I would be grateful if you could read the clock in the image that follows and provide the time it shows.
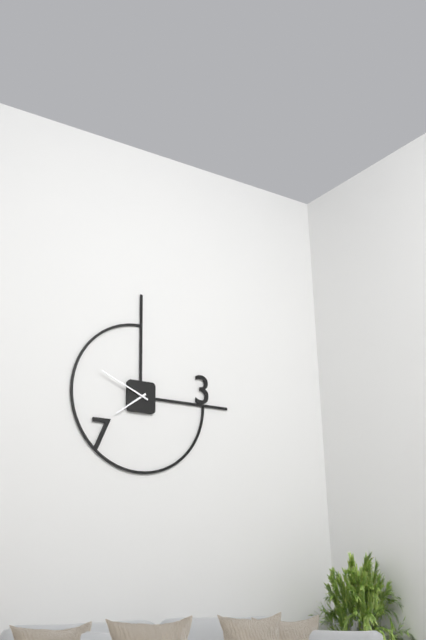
7:49
